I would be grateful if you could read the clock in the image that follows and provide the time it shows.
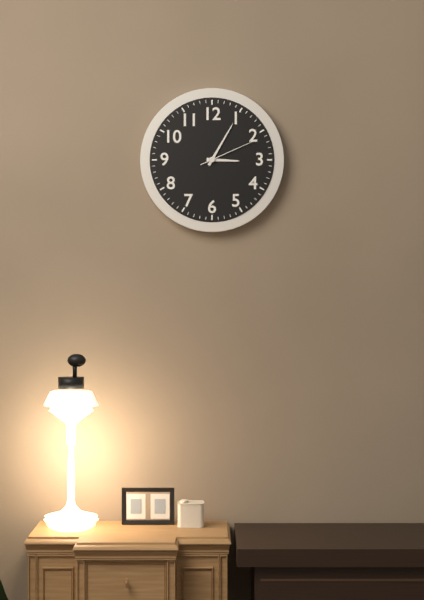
3:05:11
